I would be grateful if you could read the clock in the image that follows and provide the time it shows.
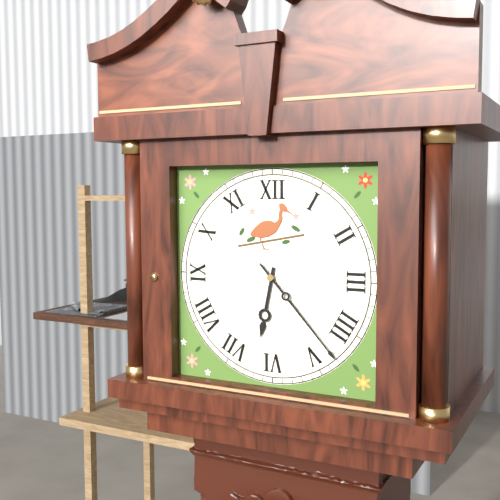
6:23
